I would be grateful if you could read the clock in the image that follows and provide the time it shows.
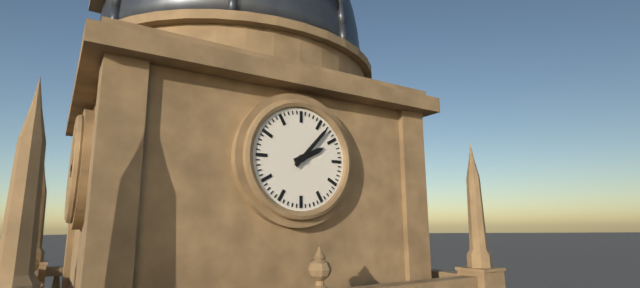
2:07
